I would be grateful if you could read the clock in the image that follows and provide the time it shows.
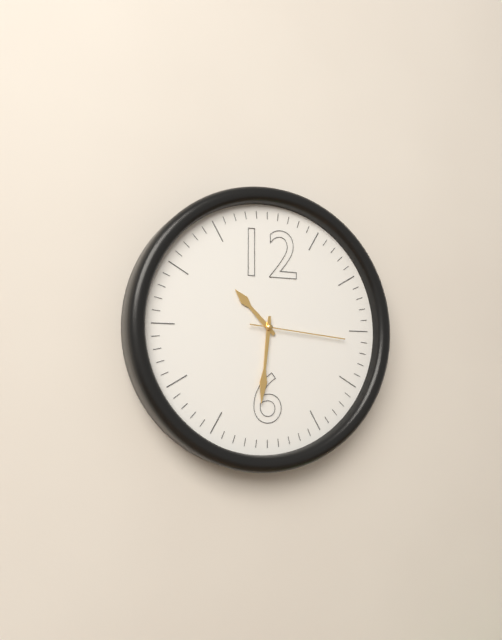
10:31:16
